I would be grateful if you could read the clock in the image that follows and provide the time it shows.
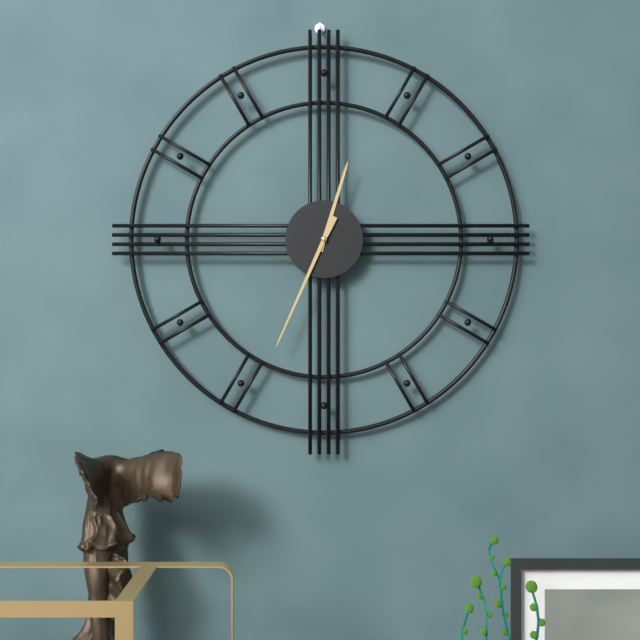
12:34
